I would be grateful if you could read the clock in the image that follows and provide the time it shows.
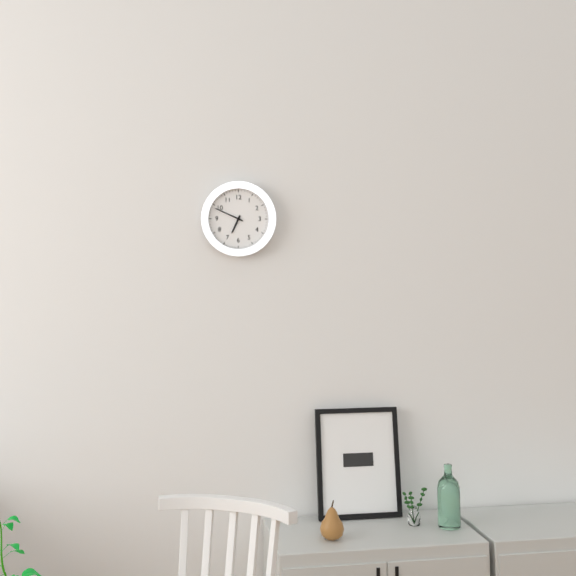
6:49
